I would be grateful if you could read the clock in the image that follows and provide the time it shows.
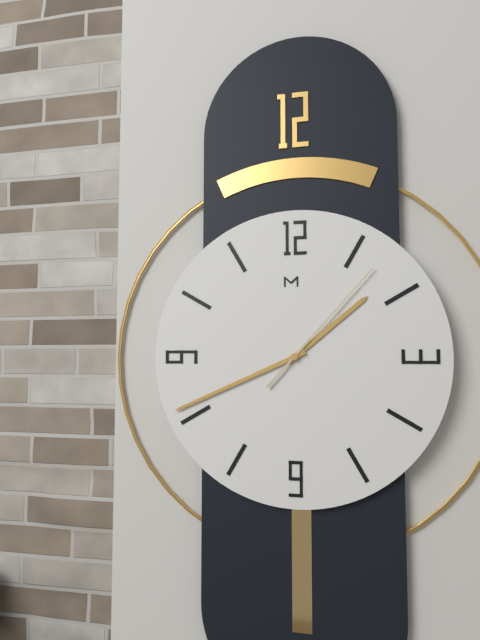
1:41:07
